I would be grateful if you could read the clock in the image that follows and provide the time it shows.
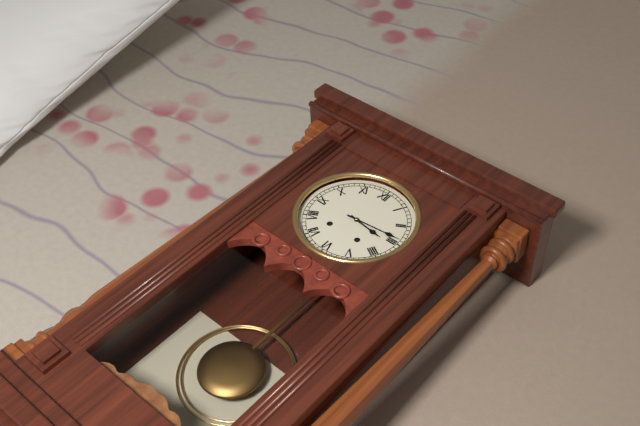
3:14
